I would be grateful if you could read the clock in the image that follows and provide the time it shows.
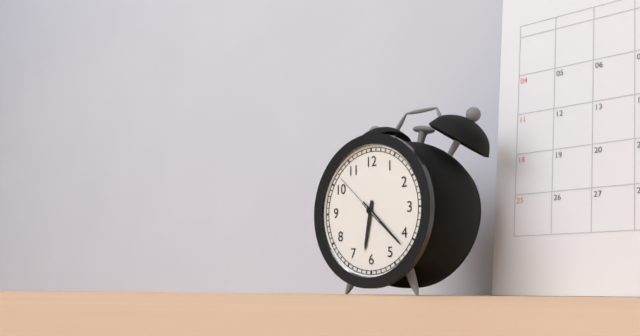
6:22:52
